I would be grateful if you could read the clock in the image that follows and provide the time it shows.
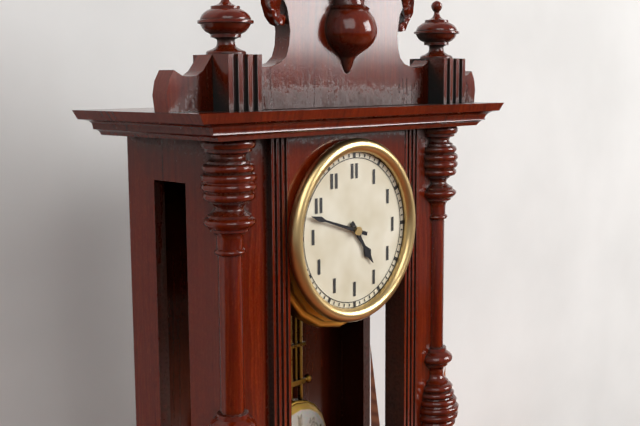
4:48
